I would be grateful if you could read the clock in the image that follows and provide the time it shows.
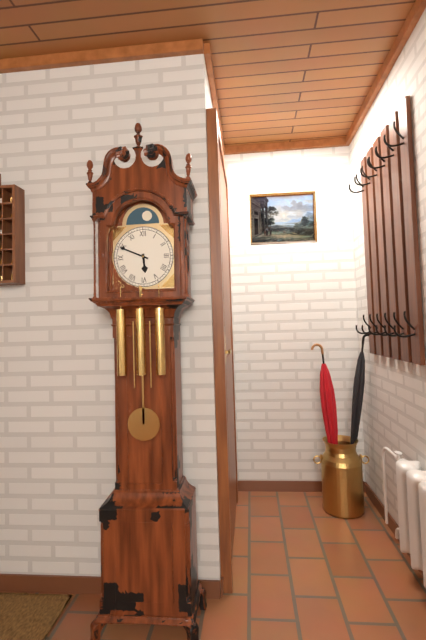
5:49
